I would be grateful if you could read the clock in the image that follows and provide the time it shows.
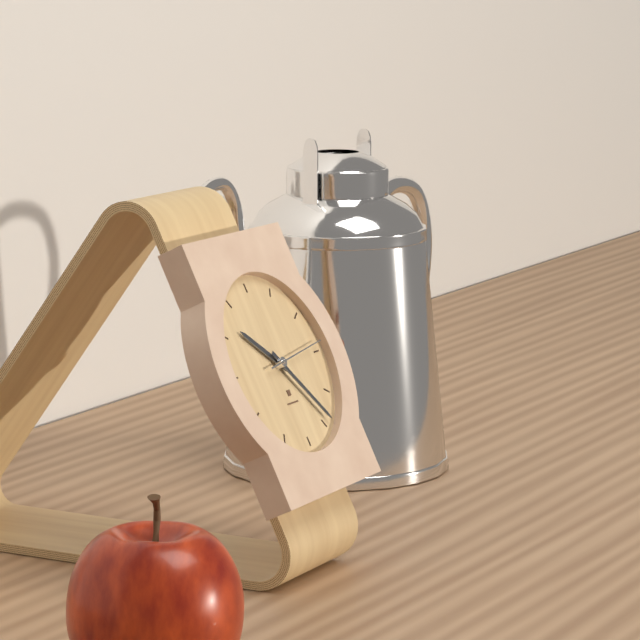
10:24:14
